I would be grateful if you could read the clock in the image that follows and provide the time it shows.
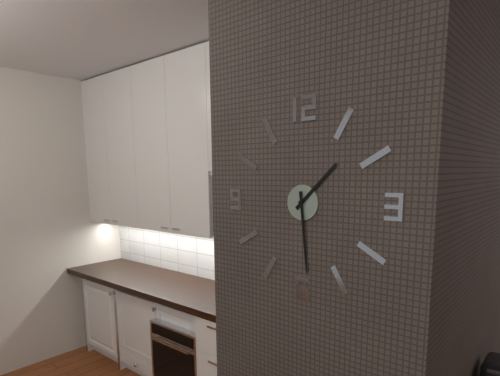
1:29
